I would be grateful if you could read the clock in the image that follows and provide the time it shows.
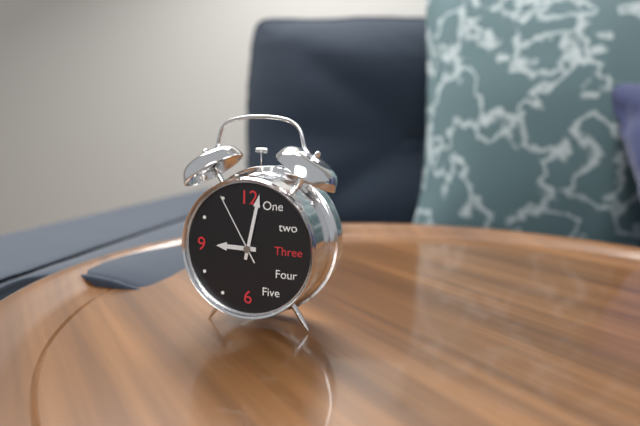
9:02:55
